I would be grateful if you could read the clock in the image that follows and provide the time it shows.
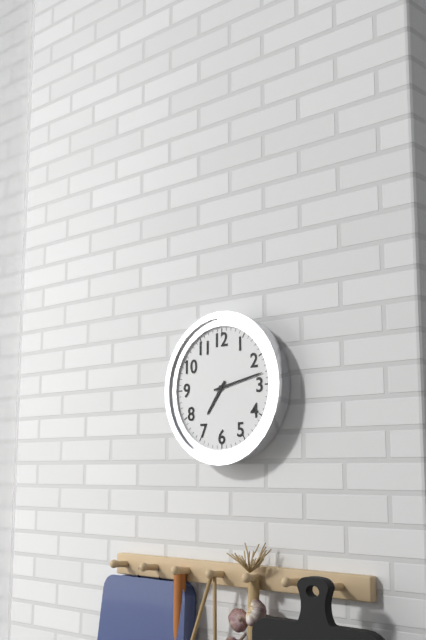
7:13
